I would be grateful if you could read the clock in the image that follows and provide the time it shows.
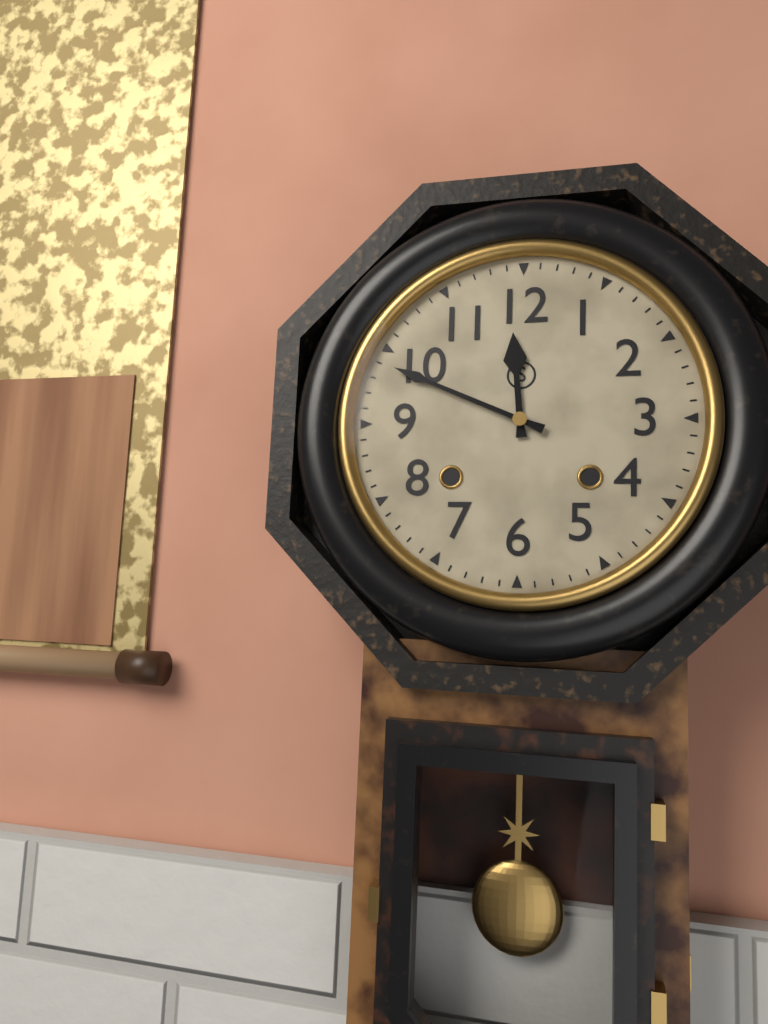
11:49
